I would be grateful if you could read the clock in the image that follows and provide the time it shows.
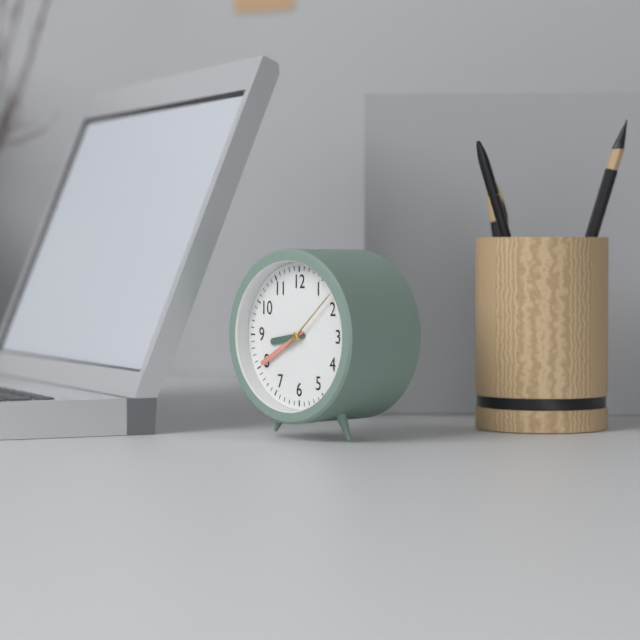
8:40:08
